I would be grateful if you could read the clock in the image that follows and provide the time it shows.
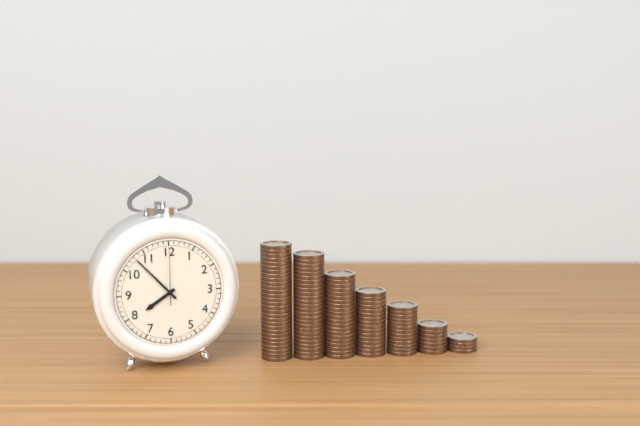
7:53:00
